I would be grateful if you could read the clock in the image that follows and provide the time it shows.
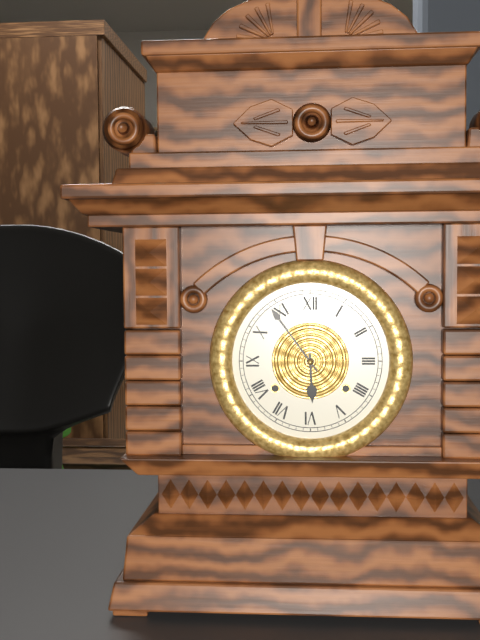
5:54
